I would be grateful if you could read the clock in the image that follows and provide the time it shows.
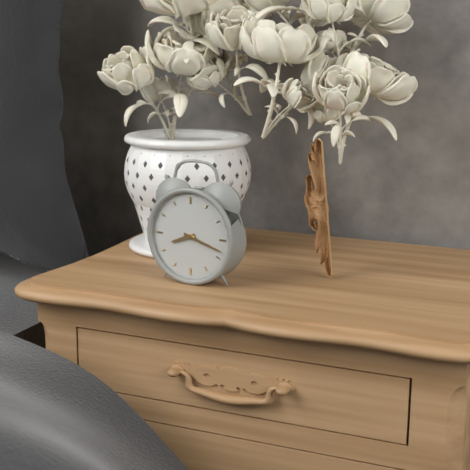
8:18
